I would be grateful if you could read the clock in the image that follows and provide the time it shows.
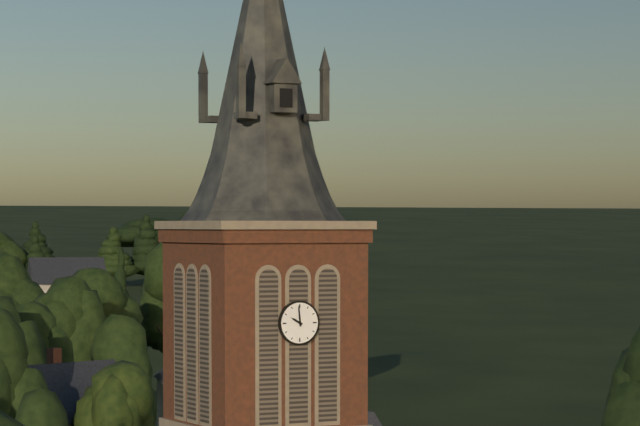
9:59
